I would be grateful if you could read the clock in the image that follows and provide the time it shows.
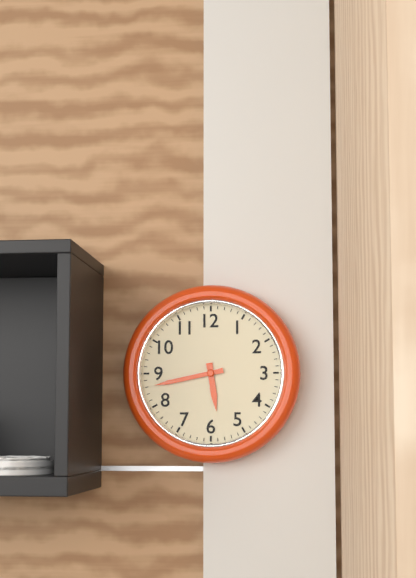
5:43
